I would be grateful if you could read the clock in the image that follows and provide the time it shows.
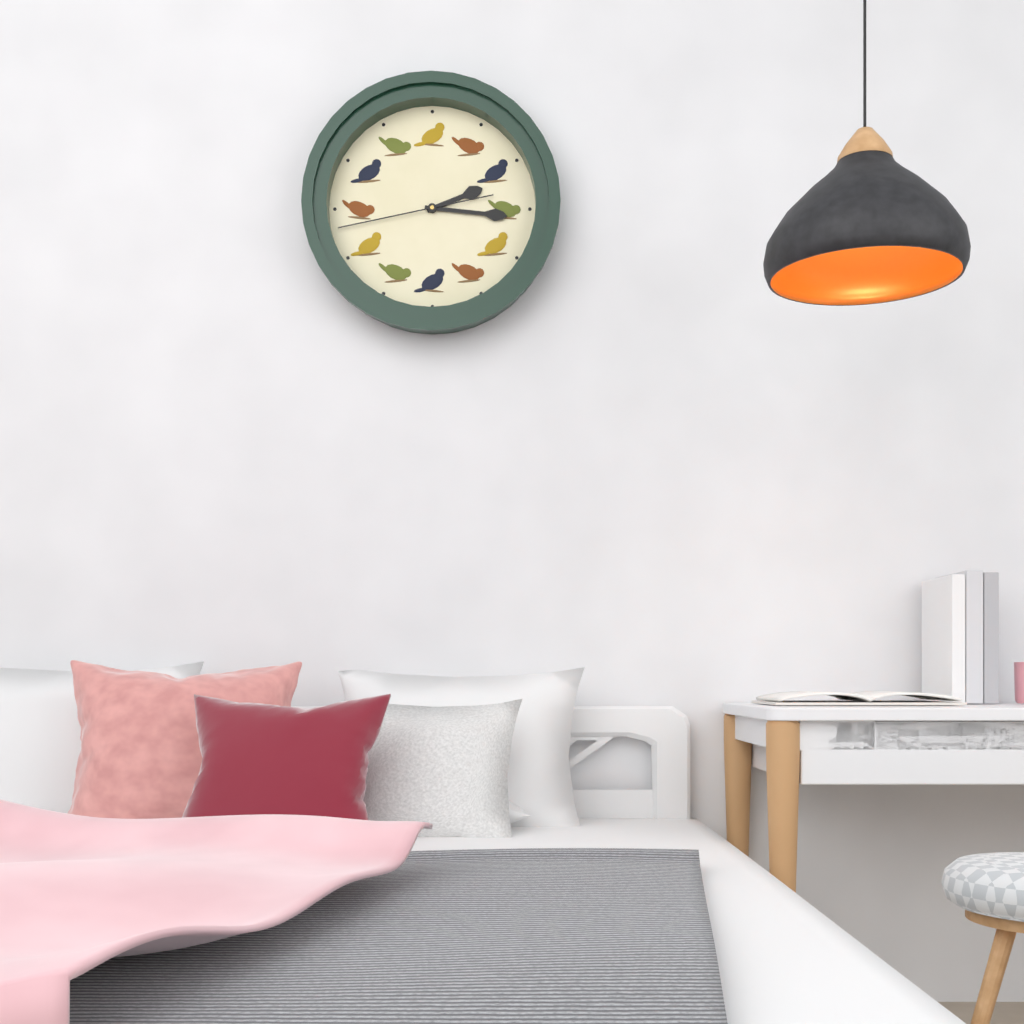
2:16:43
